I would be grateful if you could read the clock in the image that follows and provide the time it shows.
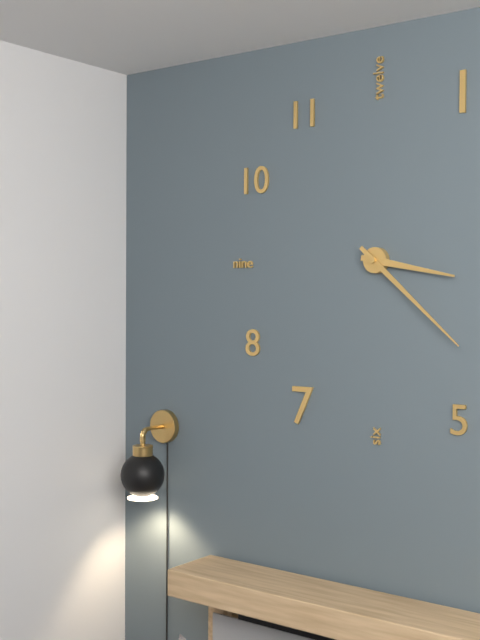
3:22
